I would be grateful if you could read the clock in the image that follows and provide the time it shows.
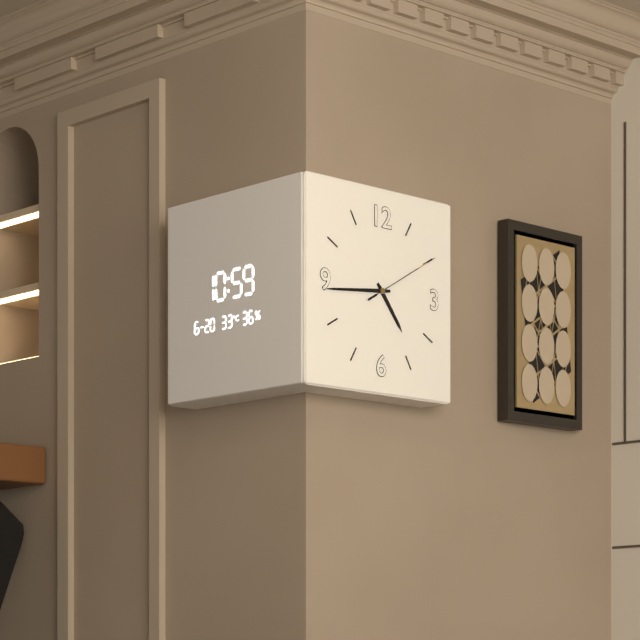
4:44:10
